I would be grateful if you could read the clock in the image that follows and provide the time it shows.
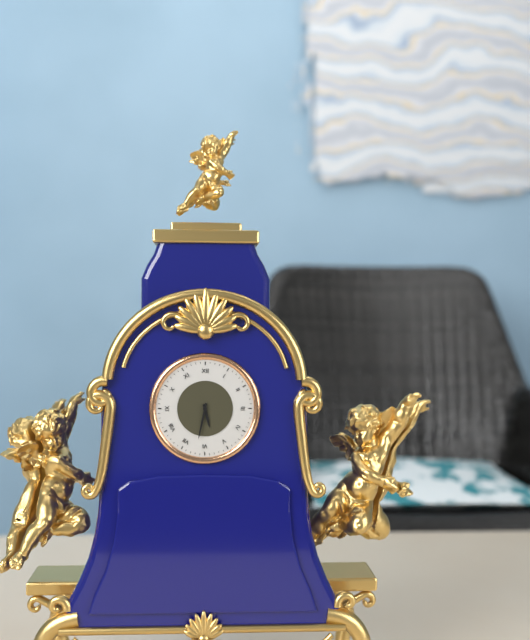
5:32
